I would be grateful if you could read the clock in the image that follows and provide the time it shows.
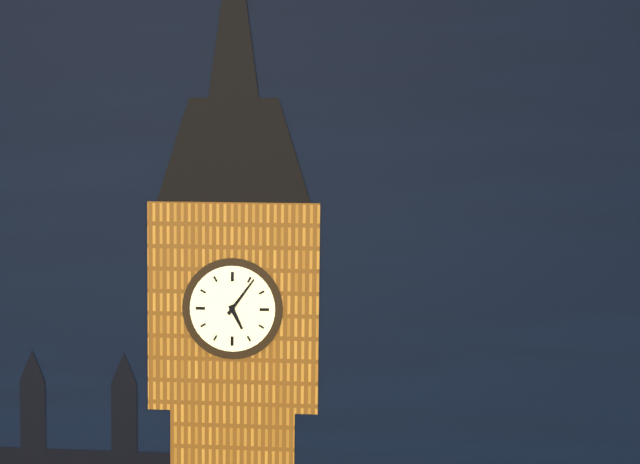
5:06
